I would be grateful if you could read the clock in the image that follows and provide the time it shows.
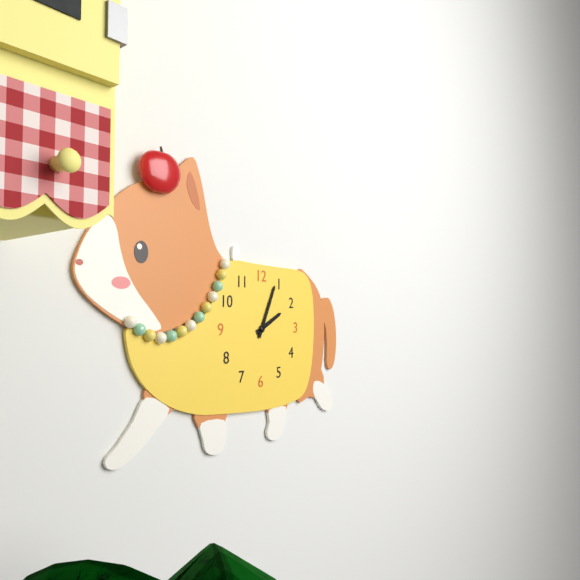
2:04
